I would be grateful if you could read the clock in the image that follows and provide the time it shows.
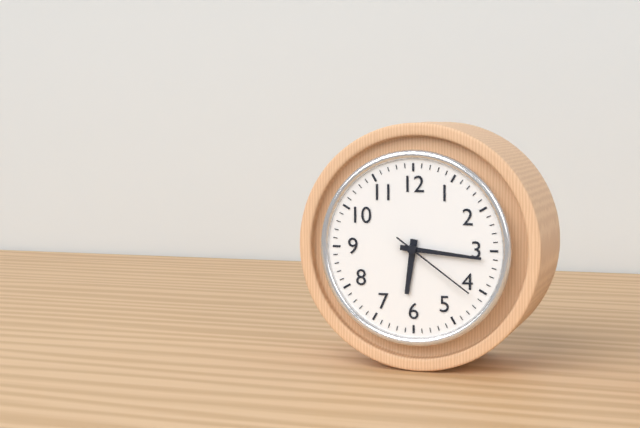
6:16:21
